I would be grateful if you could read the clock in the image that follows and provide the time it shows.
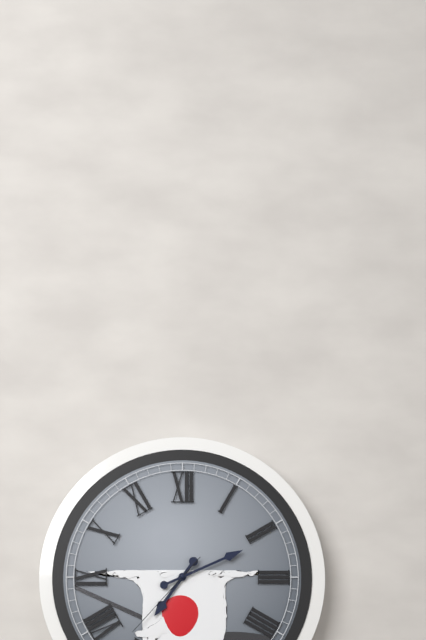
7:11:37
